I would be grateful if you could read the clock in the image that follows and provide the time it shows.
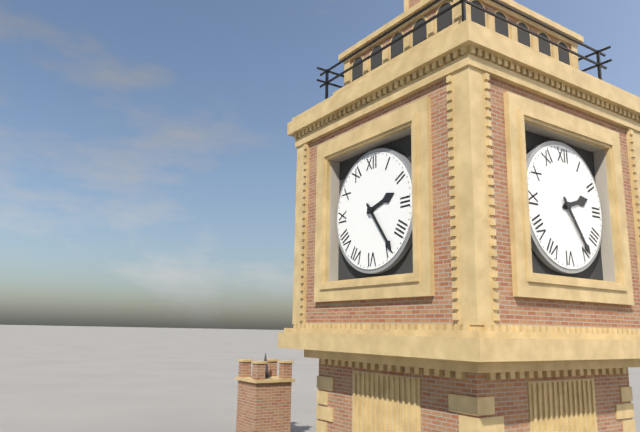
2:24
